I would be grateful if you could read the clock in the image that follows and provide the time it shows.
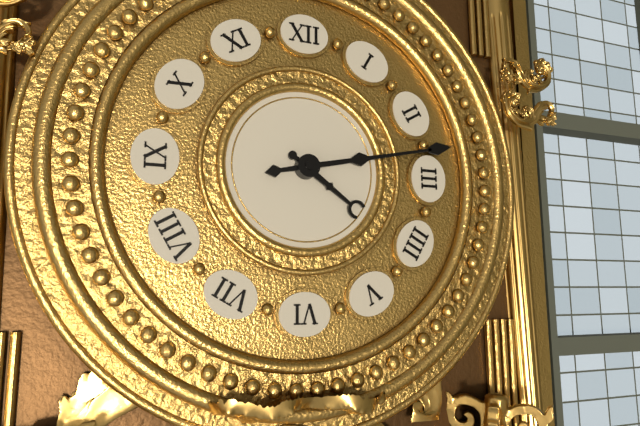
4:13
